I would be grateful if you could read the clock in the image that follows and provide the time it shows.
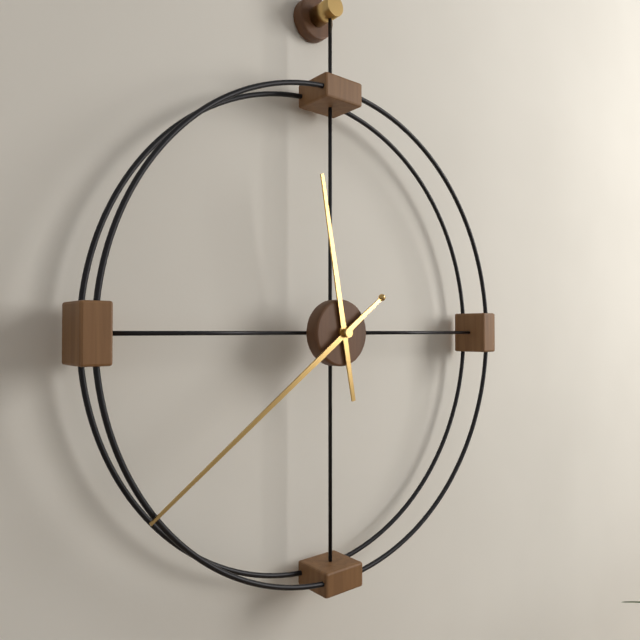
11:39
